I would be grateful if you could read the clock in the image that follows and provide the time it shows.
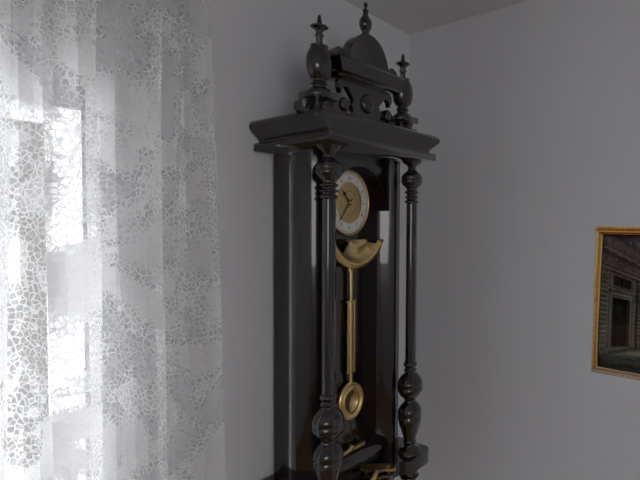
10:37
